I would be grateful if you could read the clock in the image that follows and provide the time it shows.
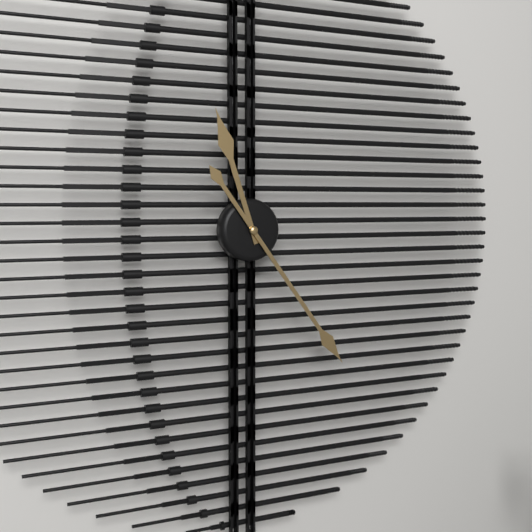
11:24
